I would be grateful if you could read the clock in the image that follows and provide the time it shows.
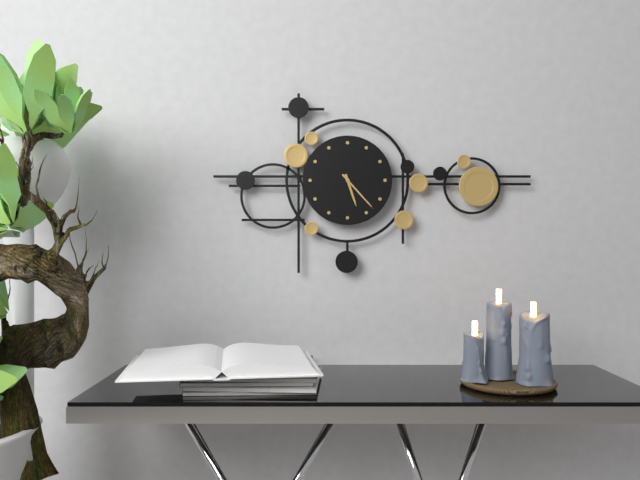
5:23
